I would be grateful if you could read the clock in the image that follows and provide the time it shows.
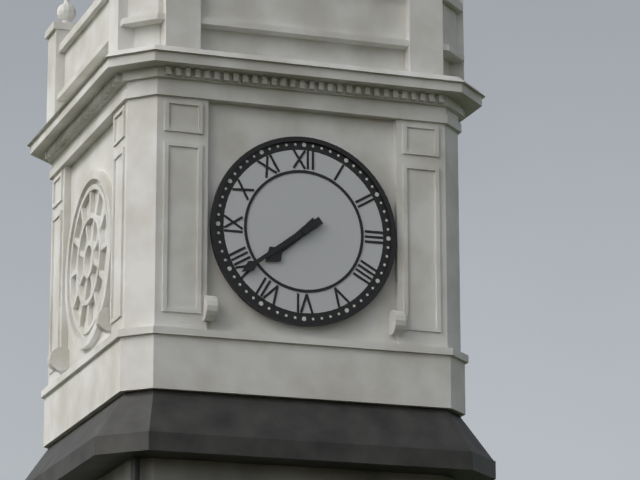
7:39
